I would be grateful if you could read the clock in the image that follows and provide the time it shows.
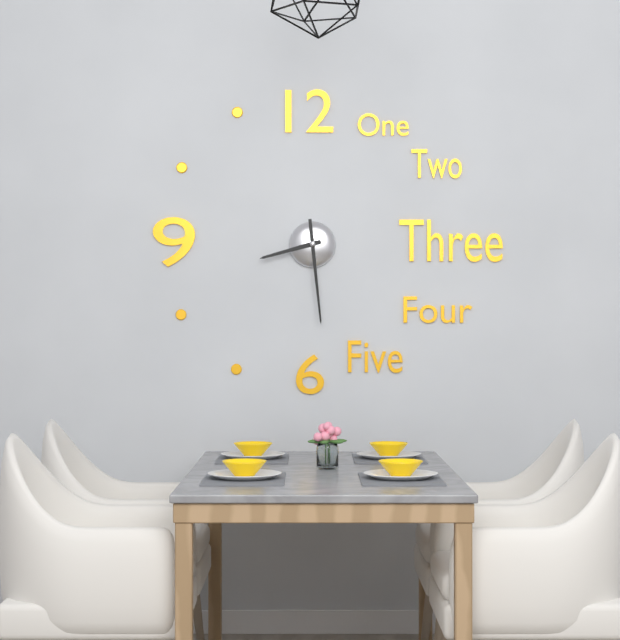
8:29
